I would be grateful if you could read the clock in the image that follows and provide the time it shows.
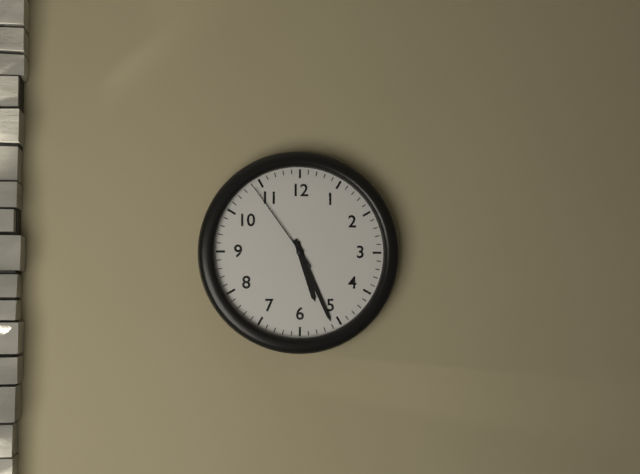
5:26:54
